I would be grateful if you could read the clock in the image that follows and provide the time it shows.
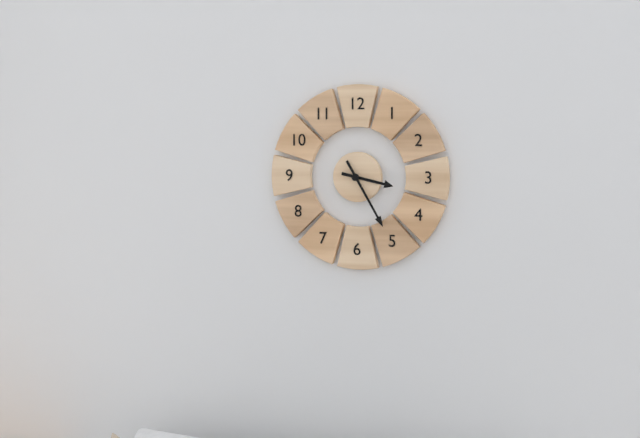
3:25
